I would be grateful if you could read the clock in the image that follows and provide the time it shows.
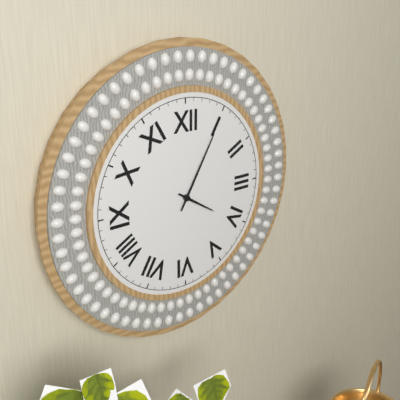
4:05
